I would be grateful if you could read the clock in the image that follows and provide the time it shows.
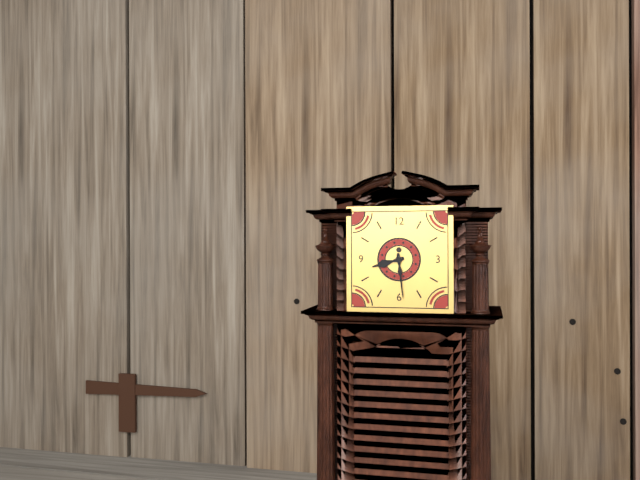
8:29
